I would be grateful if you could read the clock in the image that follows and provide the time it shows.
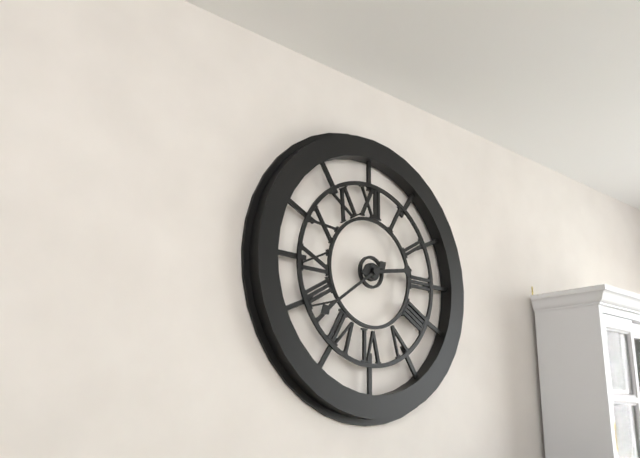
2:39
